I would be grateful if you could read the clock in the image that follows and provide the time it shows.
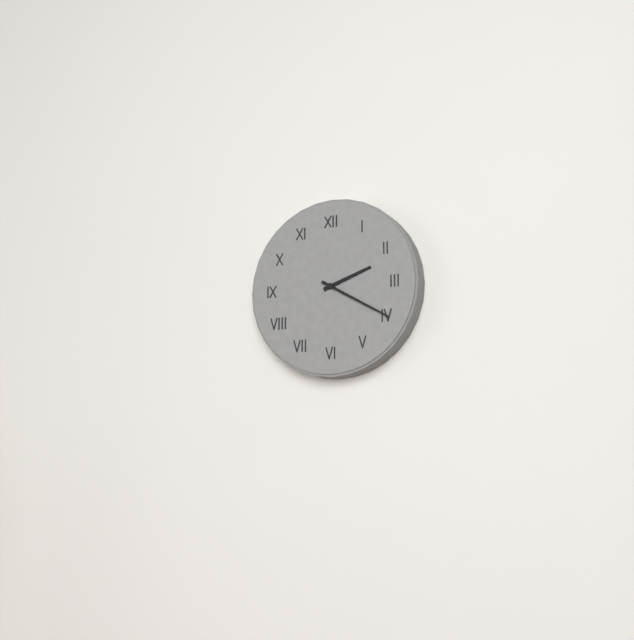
2:20
